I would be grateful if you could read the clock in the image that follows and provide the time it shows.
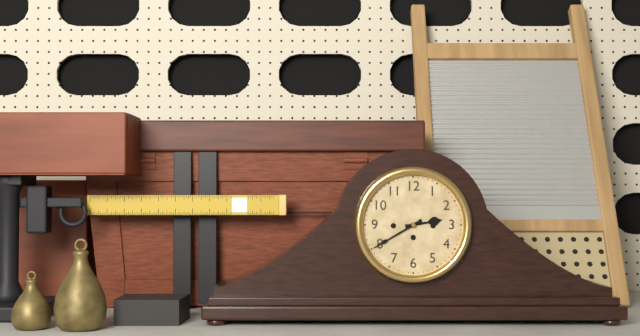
2:40
